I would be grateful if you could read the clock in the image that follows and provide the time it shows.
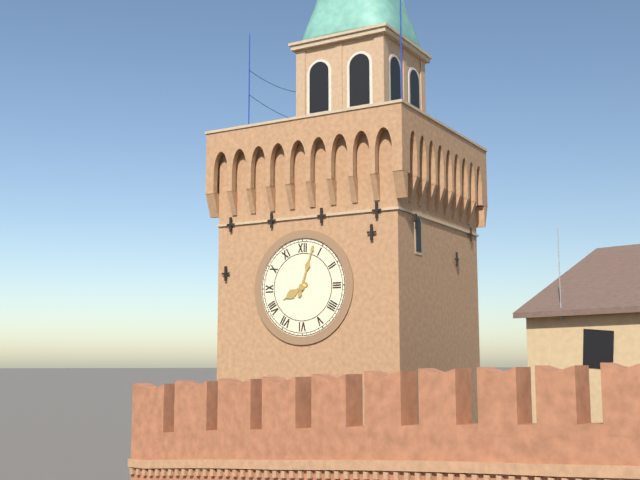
8:03
